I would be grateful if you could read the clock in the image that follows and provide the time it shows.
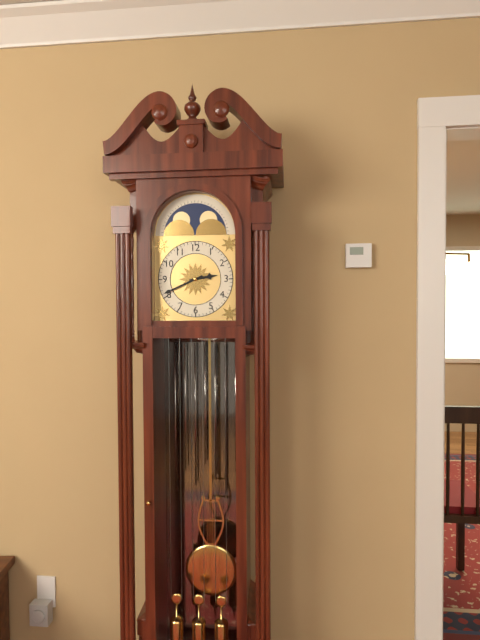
2:41
